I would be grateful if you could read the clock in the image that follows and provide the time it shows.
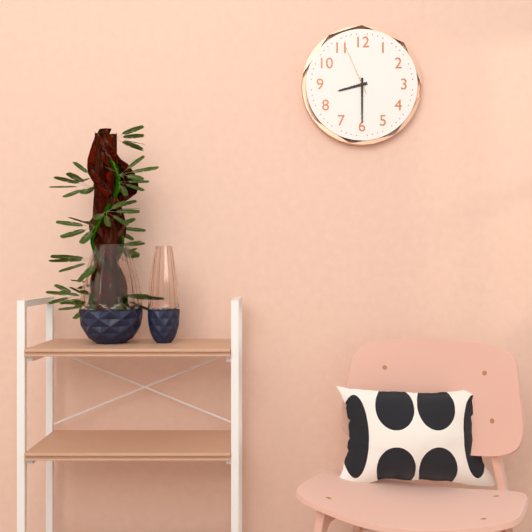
8:30:56
